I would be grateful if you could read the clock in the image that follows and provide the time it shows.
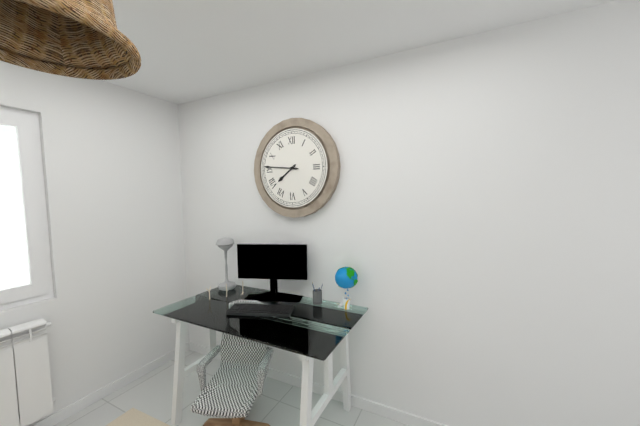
7:46
